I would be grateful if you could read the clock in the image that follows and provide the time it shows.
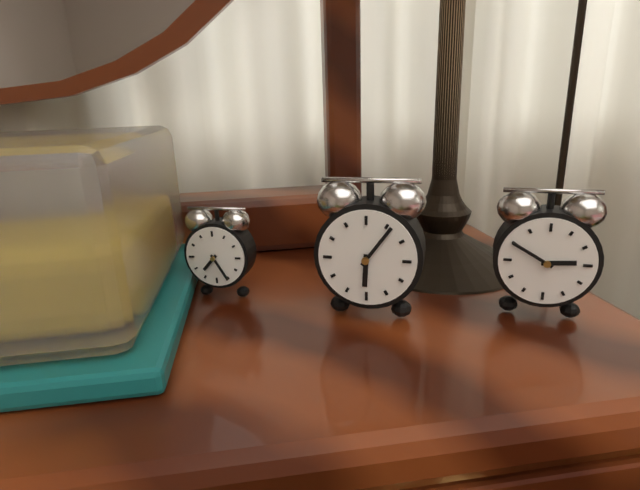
6:06
